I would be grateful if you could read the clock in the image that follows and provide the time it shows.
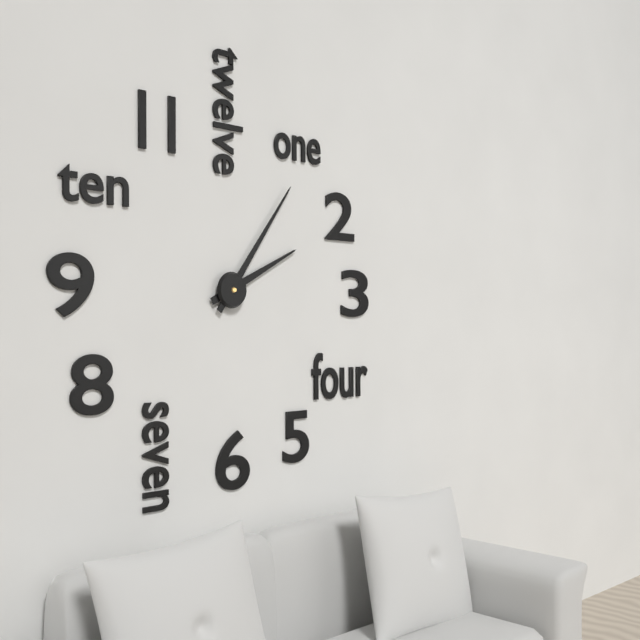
2:06
